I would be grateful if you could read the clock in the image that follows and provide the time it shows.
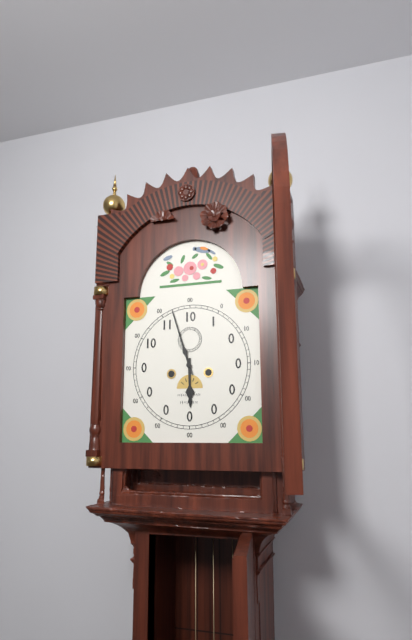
5:57
